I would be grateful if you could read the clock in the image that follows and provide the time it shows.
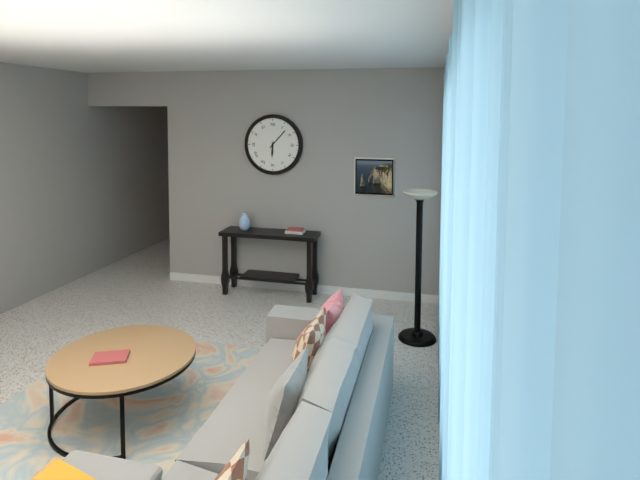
6:07
